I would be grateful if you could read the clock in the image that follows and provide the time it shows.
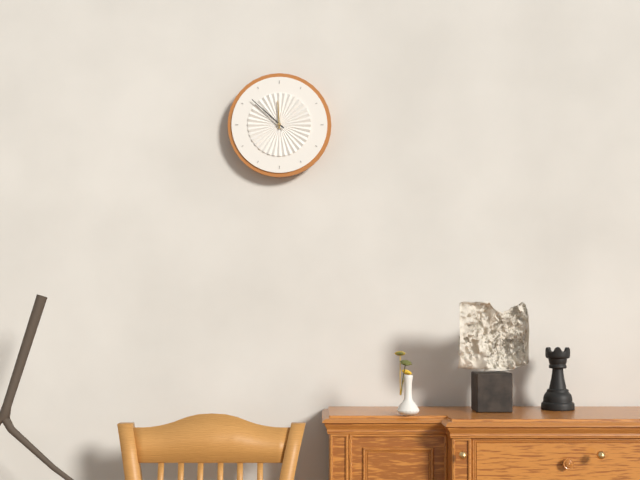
11:52
